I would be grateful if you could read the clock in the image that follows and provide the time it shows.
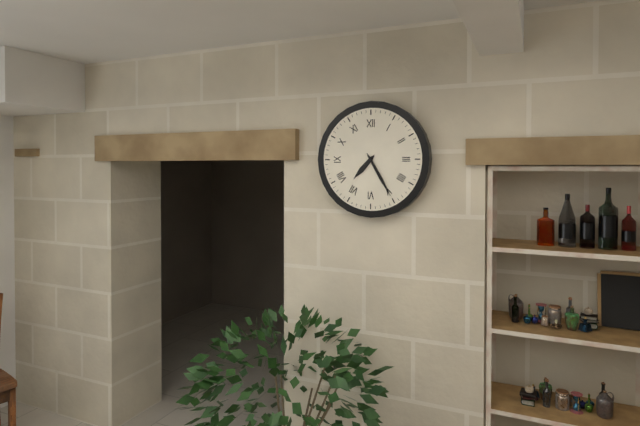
7:25
